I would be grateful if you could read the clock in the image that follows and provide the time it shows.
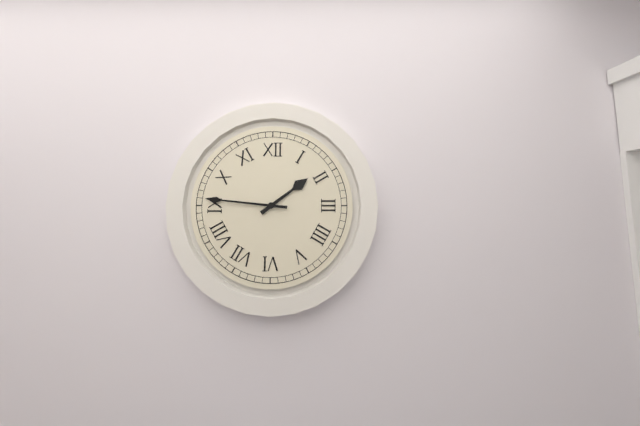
1:46
